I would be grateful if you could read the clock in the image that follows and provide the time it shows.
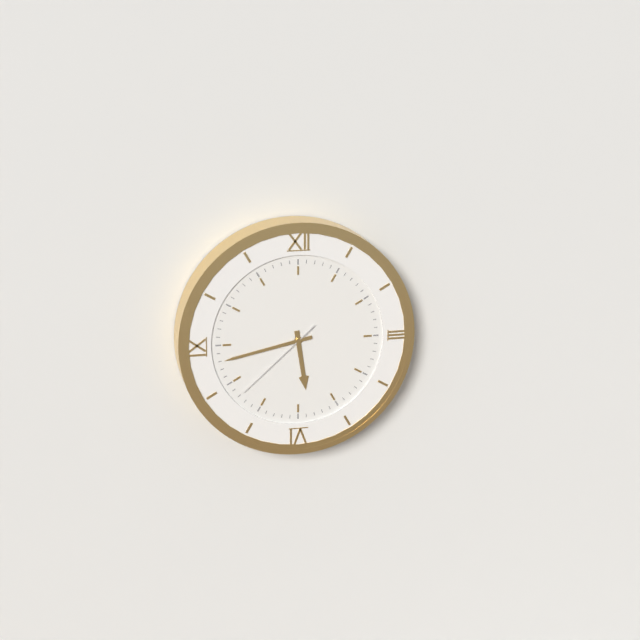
5:43:38
